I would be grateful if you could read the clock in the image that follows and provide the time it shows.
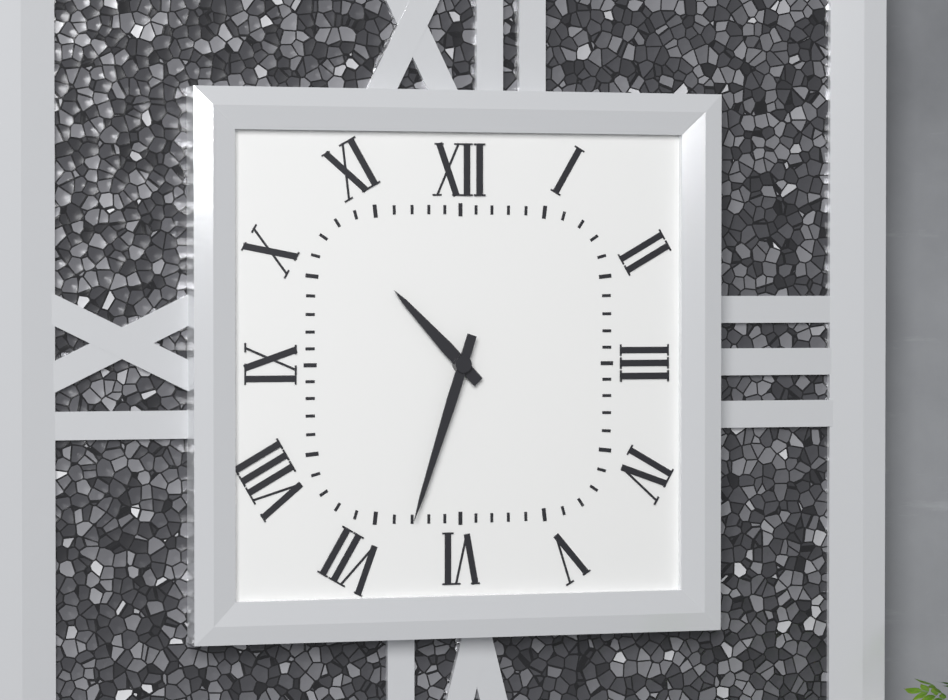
10:33
